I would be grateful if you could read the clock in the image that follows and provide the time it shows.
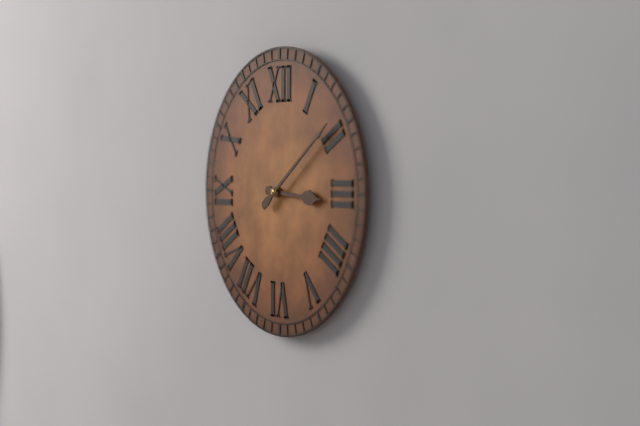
3:09
